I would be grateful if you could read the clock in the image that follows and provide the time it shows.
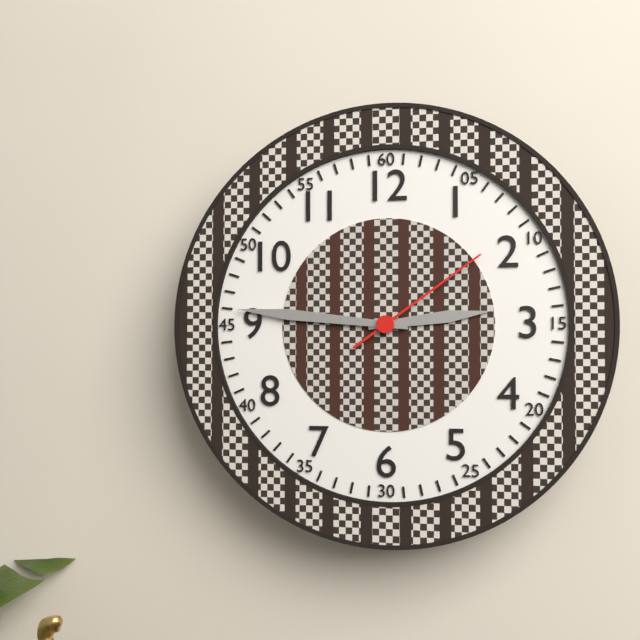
2:46:09
